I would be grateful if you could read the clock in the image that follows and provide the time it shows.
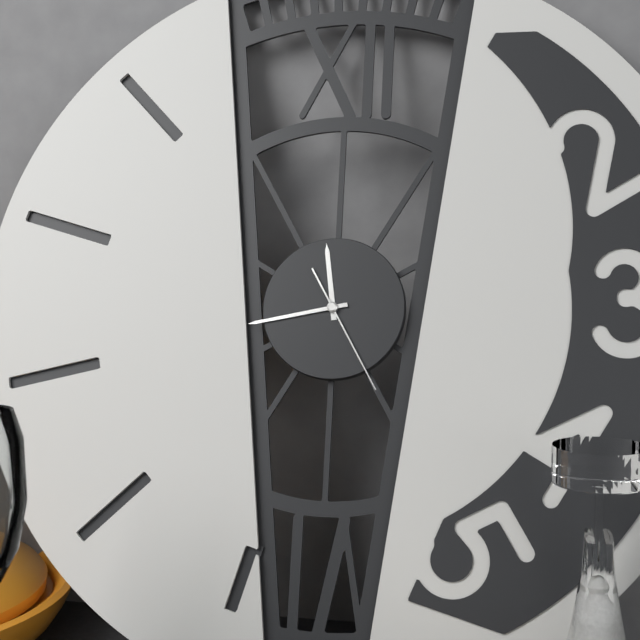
11:43:25
